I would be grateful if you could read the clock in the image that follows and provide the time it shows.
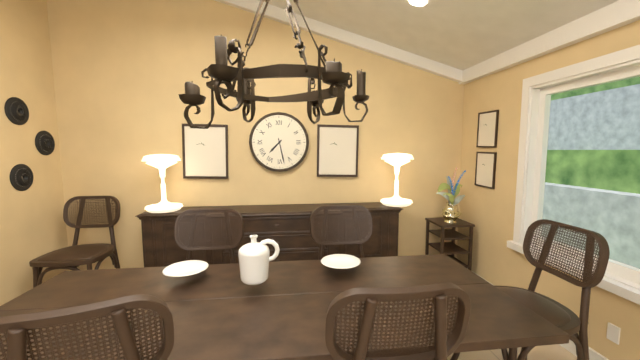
7:28
